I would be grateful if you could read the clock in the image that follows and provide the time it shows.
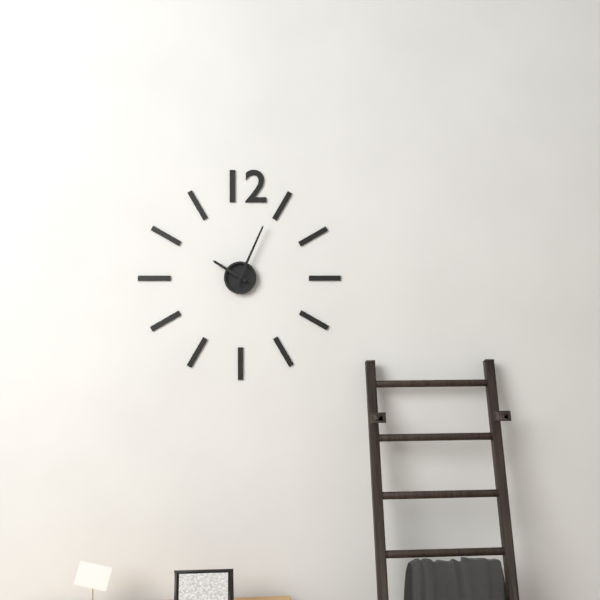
10:04
